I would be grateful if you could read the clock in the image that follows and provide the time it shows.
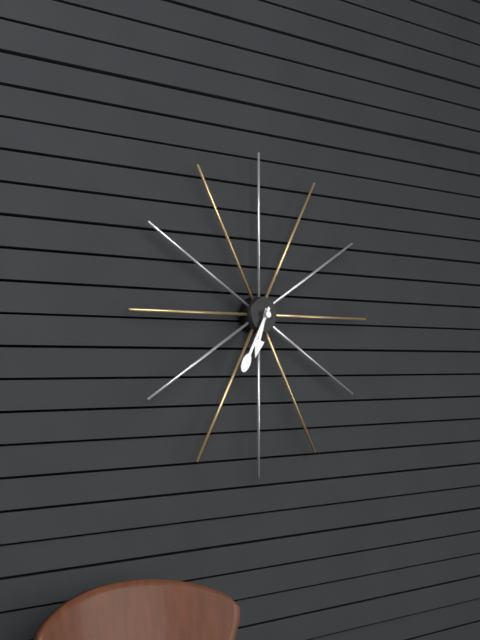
6:35
